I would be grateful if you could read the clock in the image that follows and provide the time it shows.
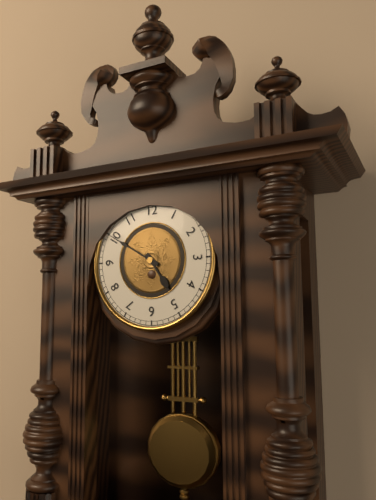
4:50
